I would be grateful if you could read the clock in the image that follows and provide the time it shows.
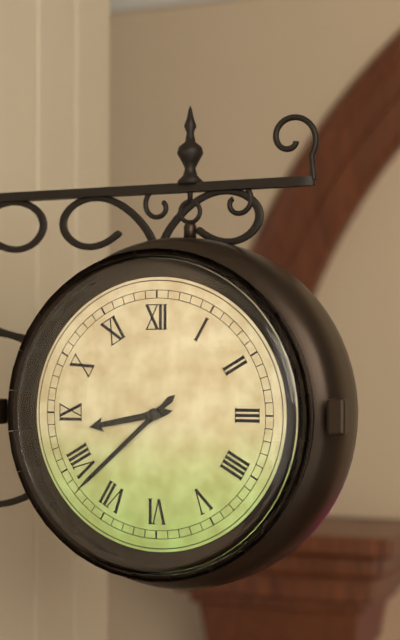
8:38
